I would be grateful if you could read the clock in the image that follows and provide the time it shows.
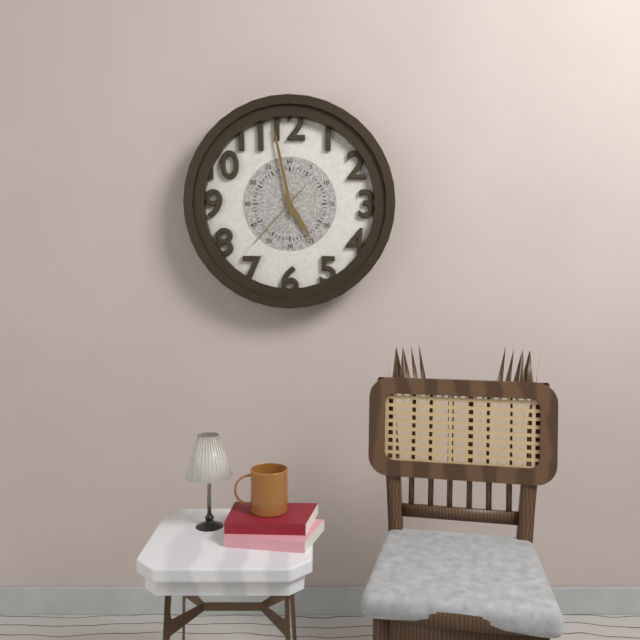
4:58:37
